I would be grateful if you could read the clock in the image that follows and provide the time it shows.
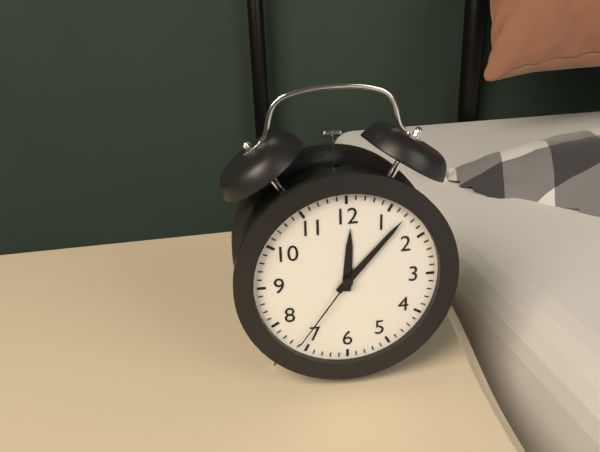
12:07:36
